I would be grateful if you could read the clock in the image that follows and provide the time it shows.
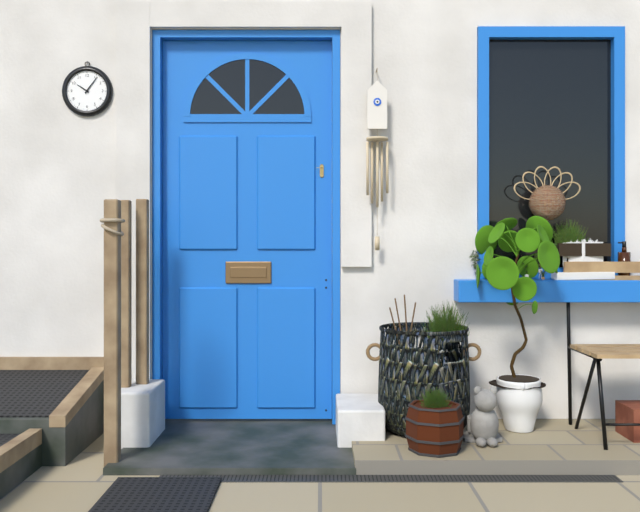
10:06
